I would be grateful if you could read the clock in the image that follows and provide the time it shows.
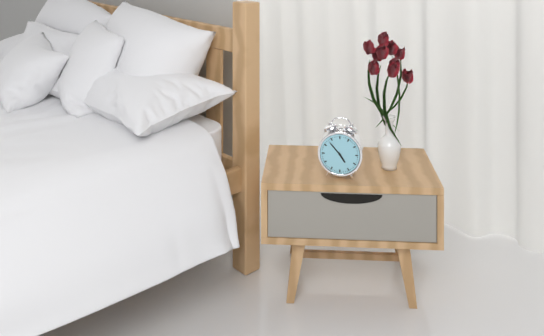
4:53
